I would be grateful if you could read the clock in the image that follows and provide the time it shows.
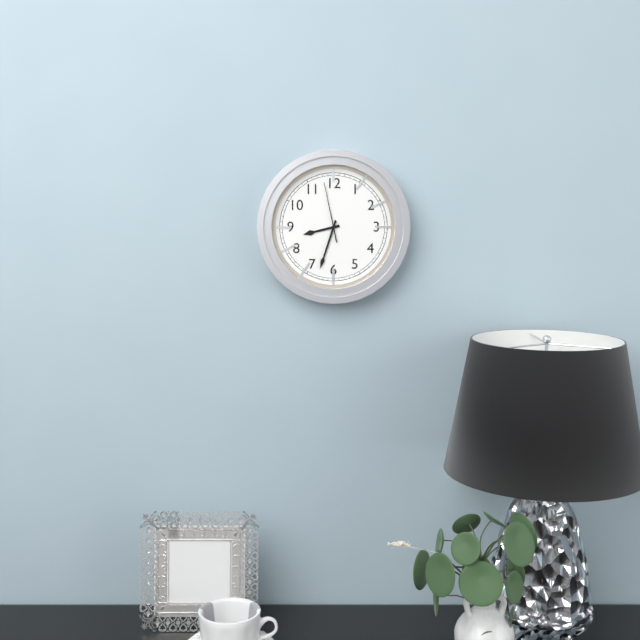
8:33:58
